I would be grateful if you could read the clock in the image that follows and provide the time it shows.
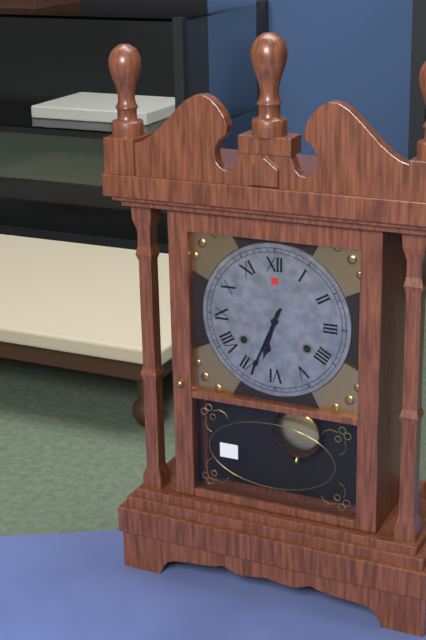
6:34
